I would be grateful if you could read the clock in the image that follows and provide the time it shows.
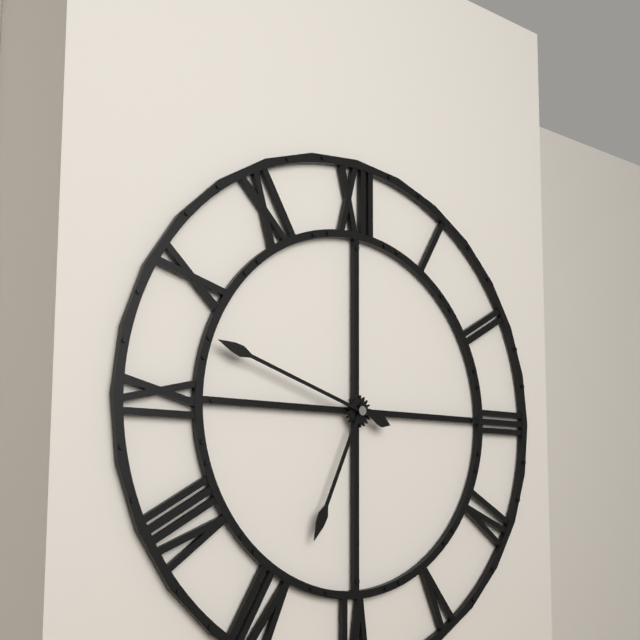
6:48
